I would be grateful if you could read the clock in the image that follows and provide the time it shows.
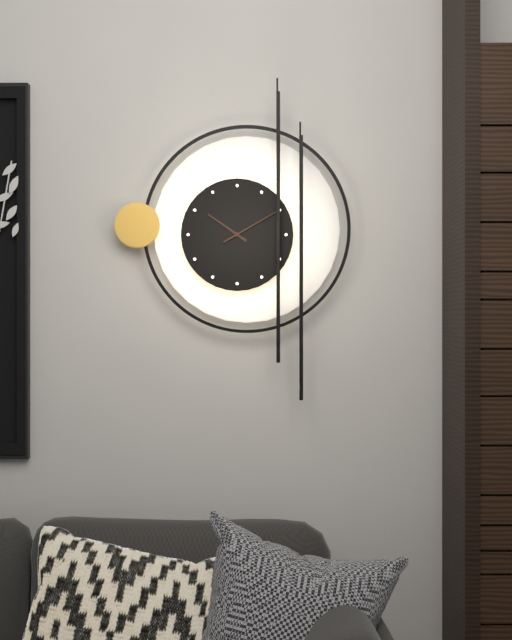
10:10
